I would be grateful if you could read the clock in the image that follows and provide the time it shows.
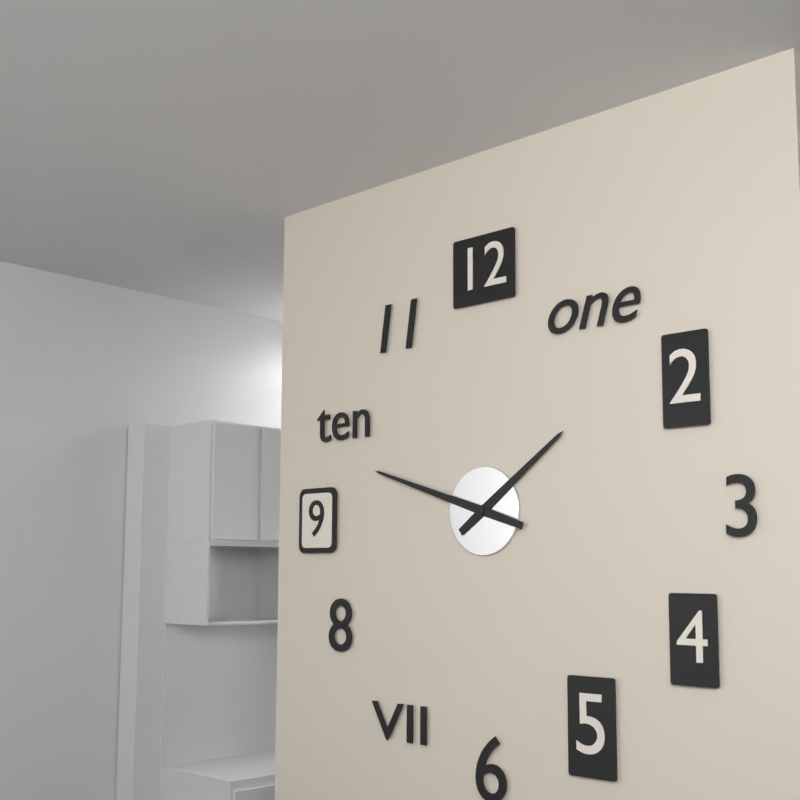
1:48
